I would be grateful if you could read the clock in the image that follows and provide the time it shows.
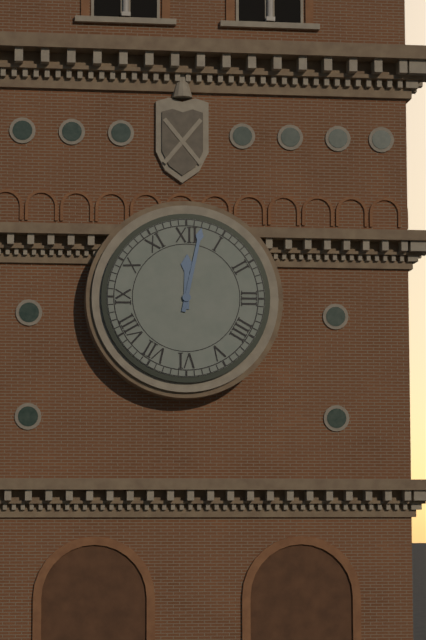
12:02
